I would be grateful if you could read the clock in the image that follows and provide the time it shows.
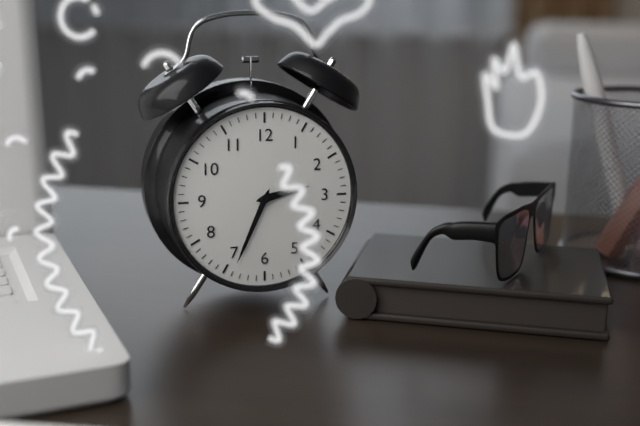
2:34
